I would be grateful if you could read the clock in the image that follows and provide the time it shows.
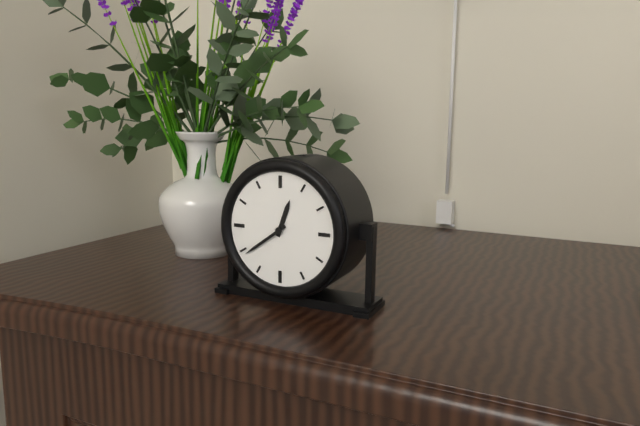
12:39
